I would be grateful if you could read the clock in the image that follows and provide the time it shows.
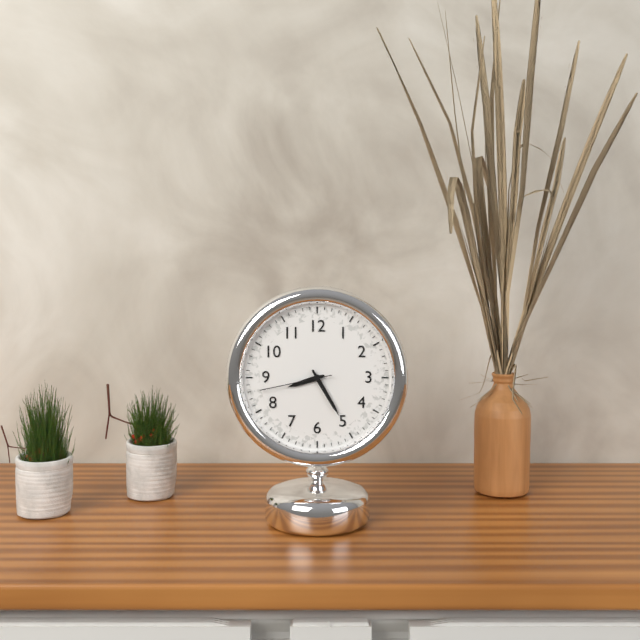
8:25:43
